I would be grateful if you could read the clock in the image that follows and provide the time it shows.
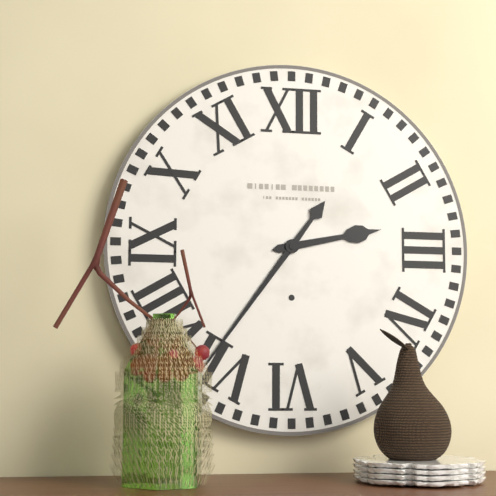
2:36
